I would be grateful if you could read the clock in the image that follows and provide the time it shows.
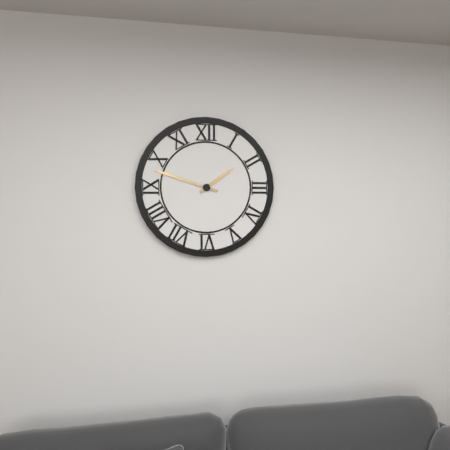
1:48
